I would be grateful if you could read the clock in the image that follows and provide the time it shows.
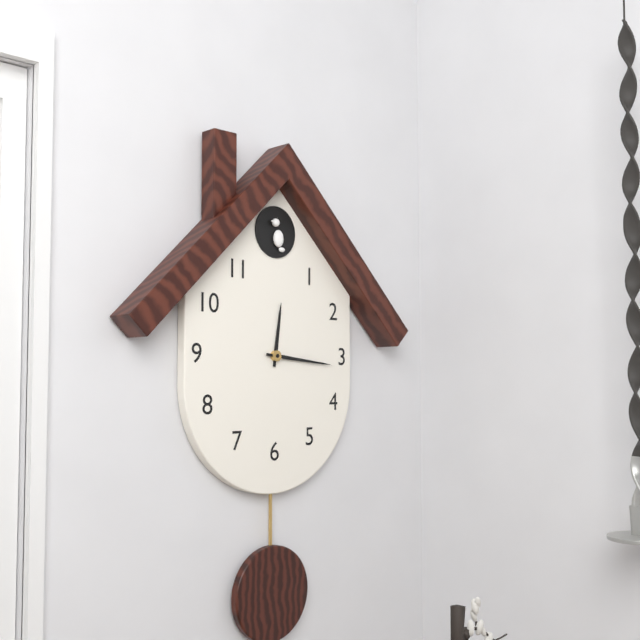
12:16
